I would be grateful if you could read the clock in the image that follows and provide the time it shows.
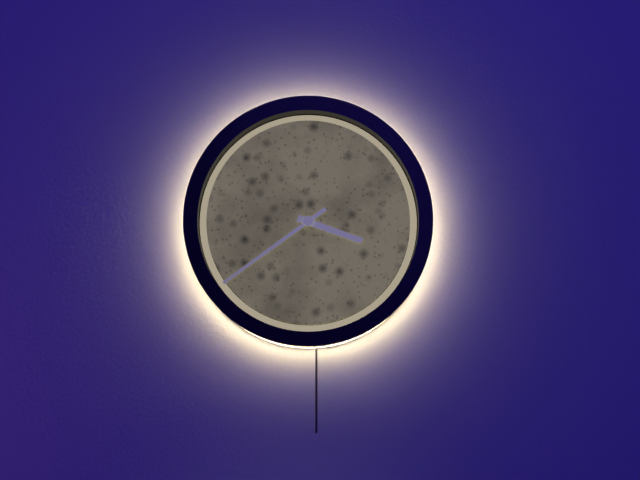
3:39
